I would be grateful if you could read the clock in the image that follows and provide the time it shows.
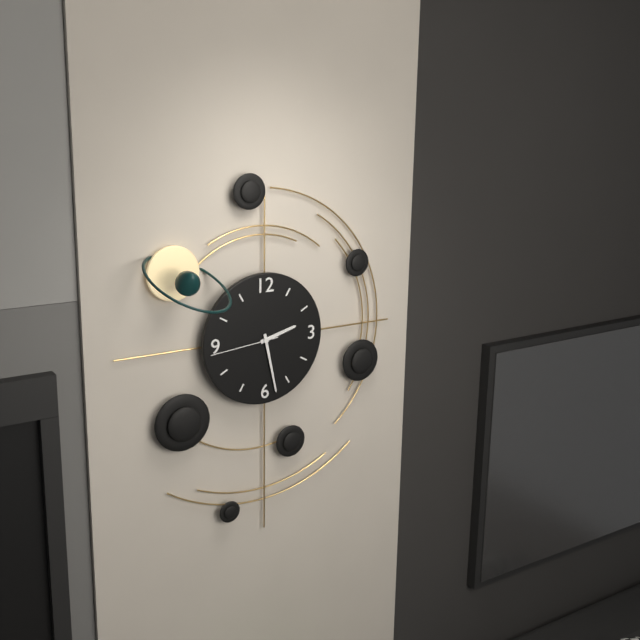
2:28:44
